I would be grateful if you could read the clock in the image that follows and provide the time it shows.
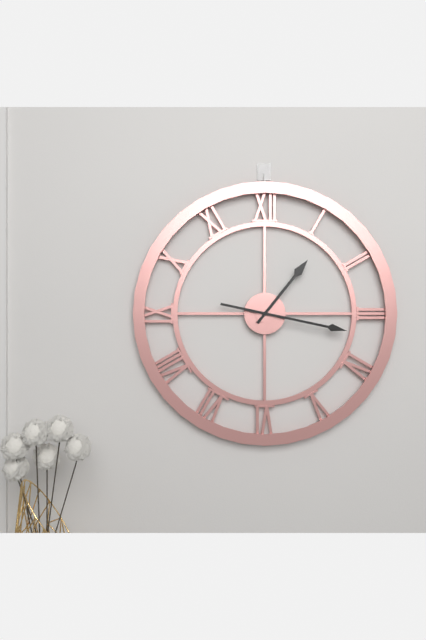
1:17
